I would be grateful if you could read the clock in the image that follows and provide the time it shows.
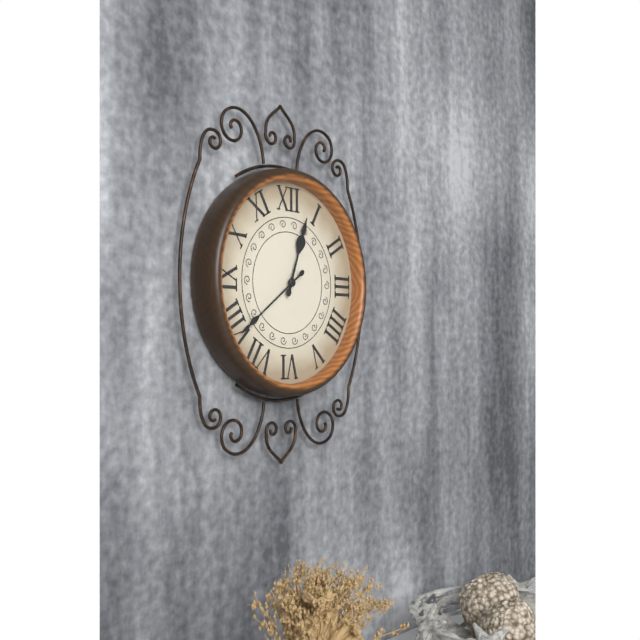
12:39
